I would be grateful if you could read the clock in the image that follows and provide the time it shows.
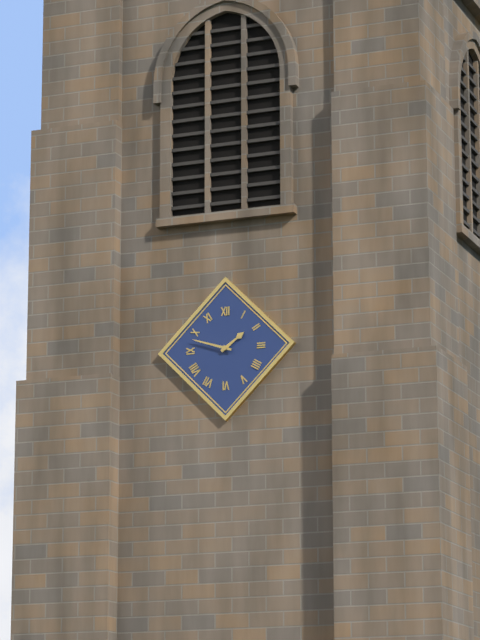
1:48
